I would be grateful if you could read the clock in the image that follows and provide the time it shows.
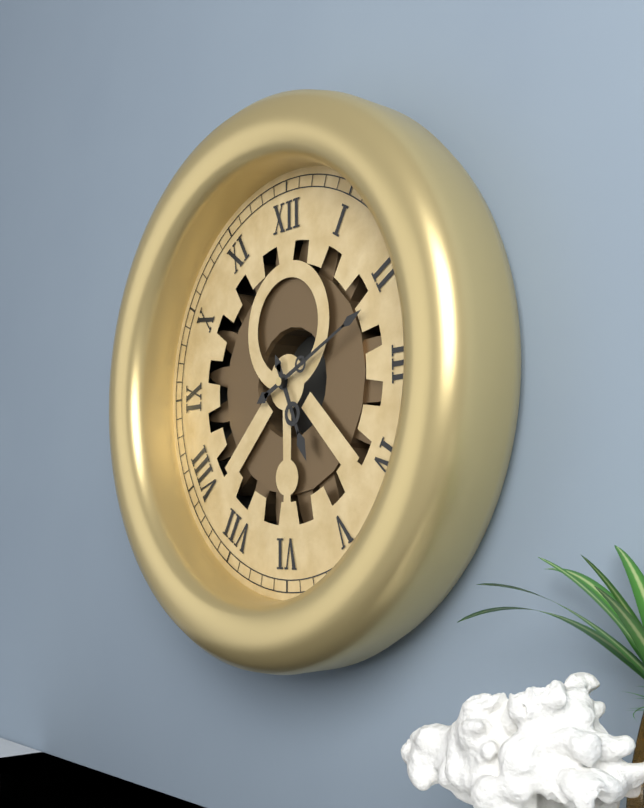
5:11
